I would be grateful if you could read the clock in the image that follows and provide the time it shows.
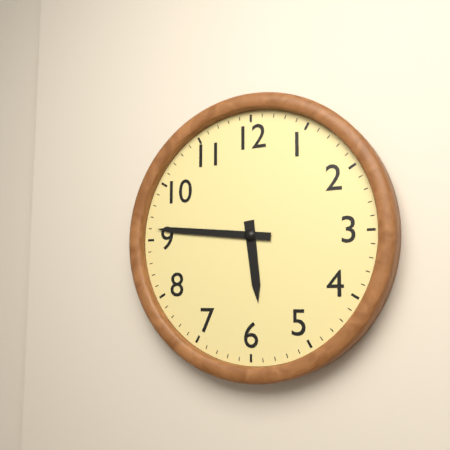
5:46
